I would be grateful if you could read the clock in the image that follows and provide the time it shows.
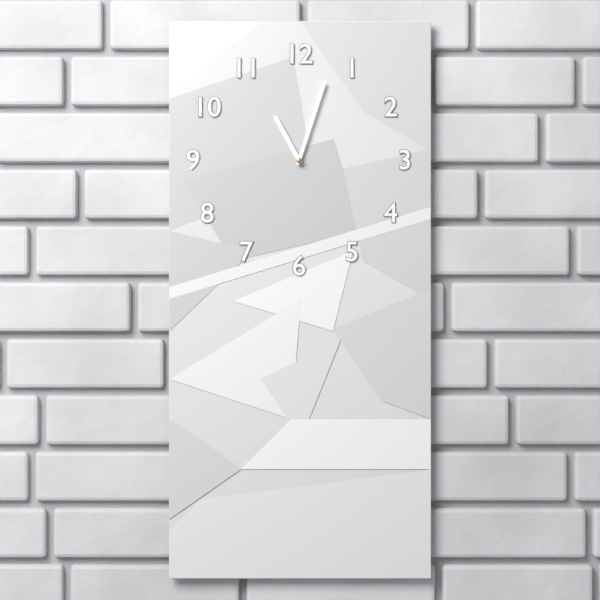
11:03
